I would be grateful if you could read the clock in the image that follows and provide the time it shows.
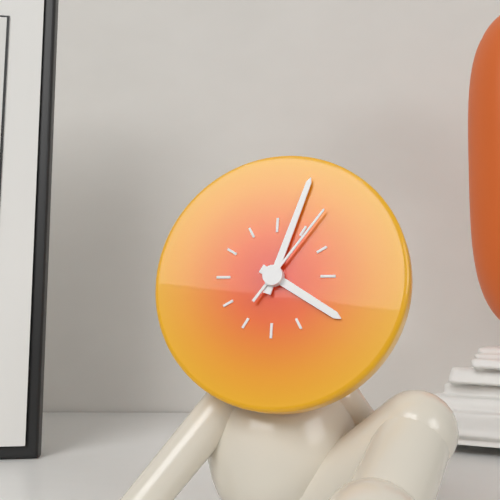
4:03:06
